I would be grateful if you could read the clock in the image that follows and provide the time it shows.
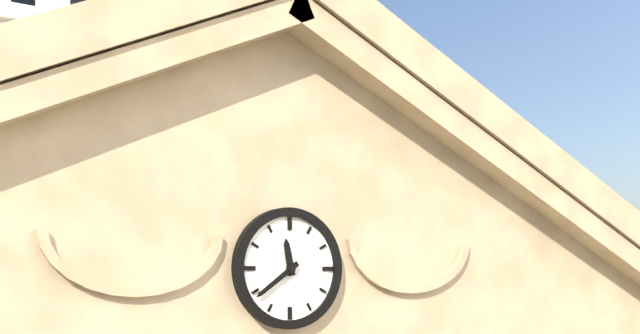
11:39
